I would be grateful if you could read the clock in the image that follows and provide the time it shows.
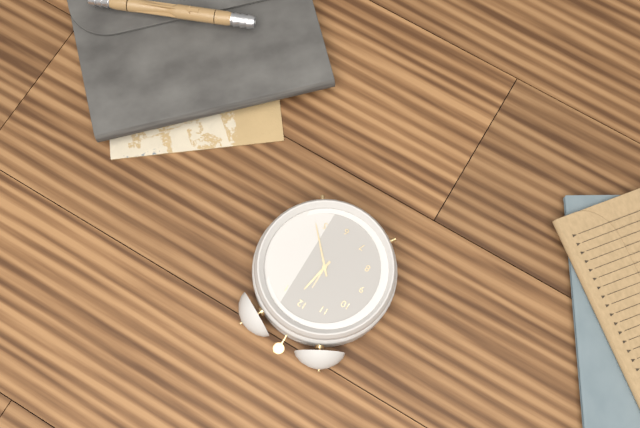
12:23
